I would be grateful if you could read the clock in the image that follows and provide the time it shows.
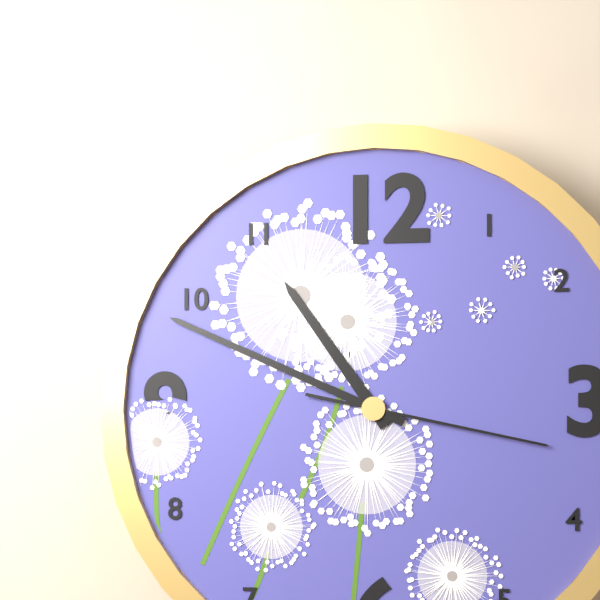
10:49:17
